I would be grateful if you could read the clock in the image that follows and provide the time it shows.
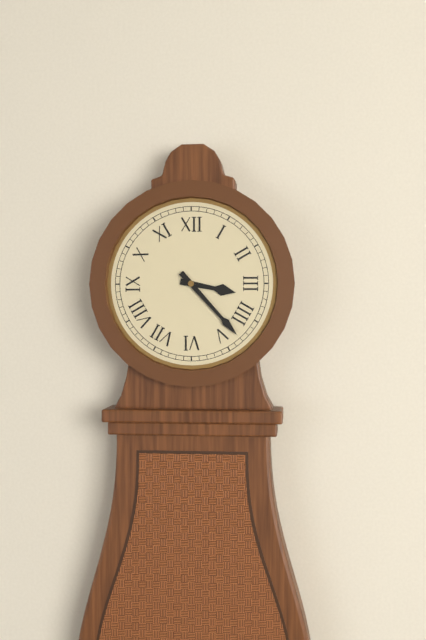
3:23
